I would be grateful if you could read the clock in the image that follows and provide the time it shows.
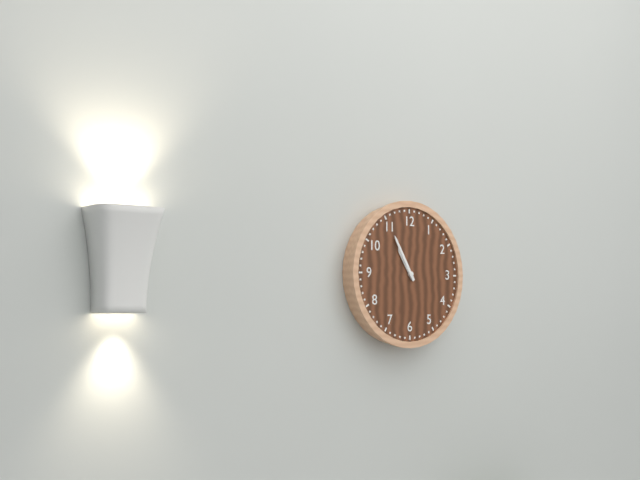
10:55
